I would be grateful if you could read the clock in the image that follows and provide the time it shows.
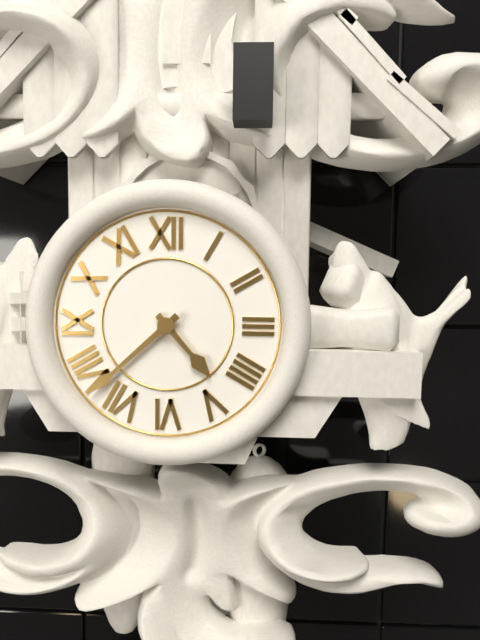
4:38
